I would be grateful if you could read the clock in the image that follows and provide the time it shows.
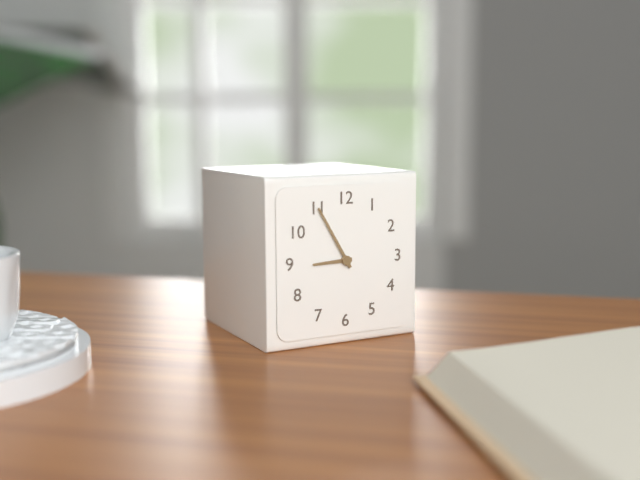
8:55
